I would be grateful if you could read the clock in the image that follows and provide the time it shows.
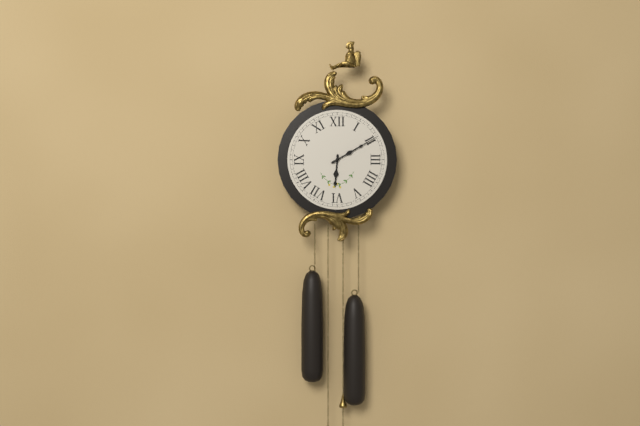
6:10
